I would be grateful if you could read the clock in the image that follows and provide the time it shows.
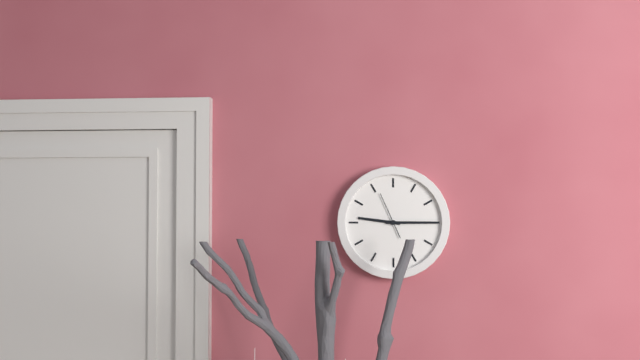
9:15
